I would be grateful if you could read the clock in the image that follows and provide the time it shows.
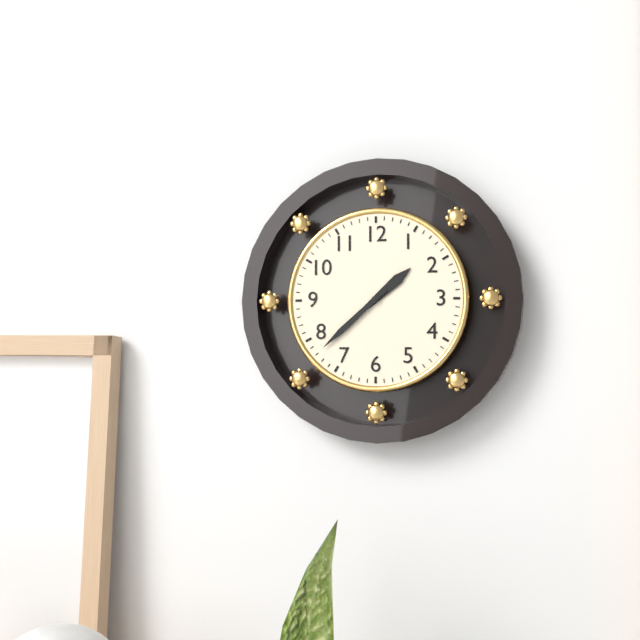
1:38
